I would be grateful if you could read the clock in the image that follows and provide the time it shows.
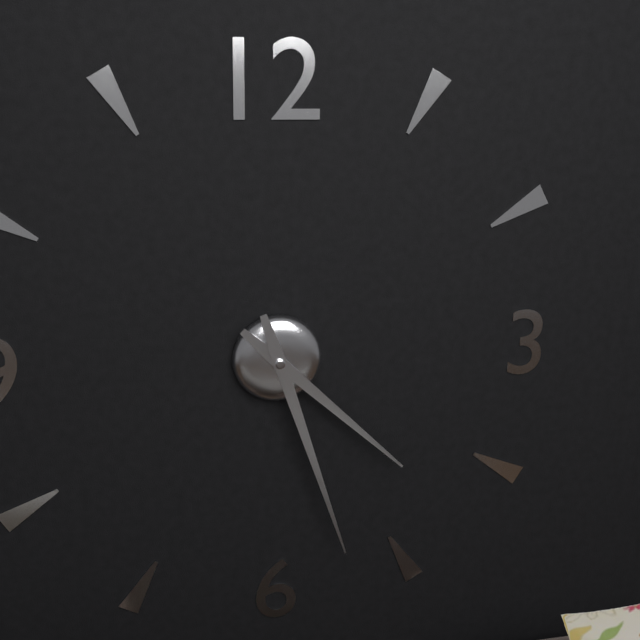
4:27
